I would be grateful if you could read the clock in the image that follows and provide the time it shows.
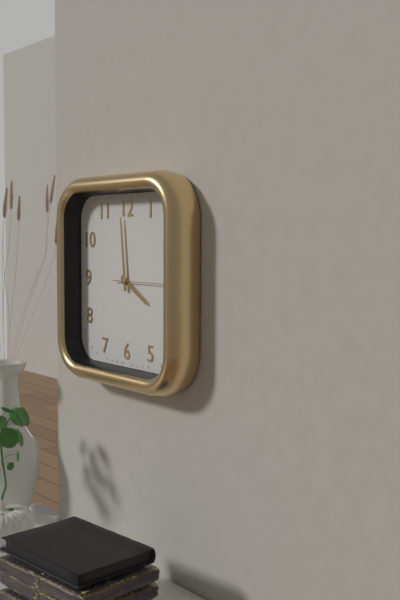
3:59:15
